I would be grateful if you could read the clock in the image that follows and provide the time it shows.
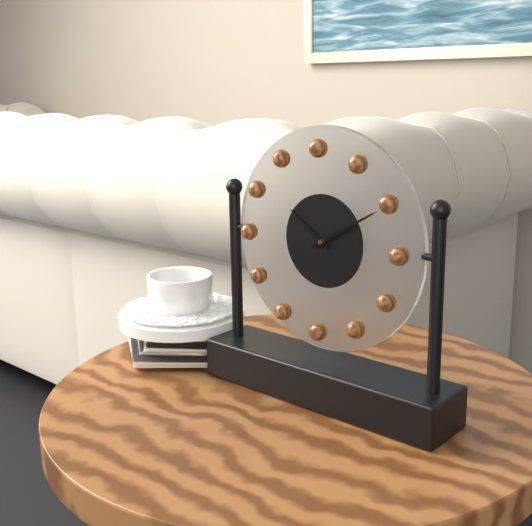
10:10
